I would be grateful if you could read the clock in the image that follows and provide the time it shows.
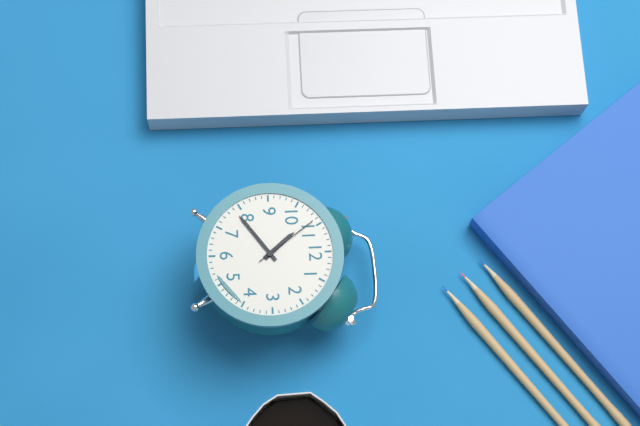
10:39:54
